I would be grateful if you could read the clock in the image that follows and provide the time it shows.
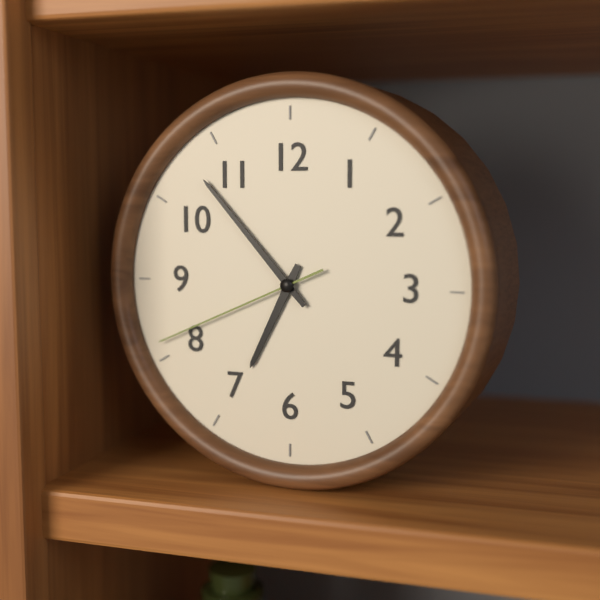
6:53:41
